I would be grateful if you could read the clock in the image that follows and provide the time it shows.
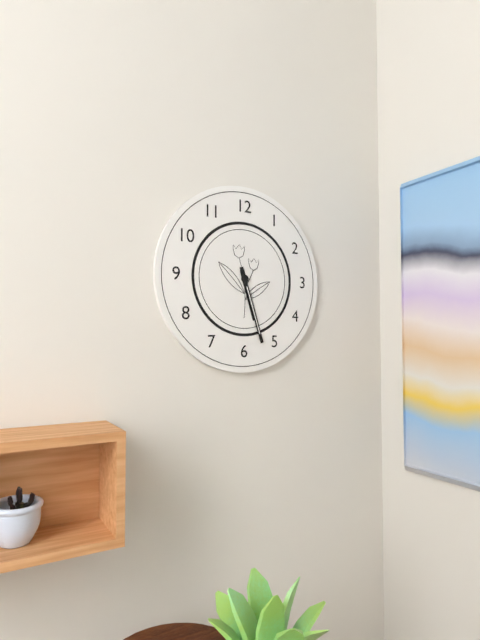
5:27
